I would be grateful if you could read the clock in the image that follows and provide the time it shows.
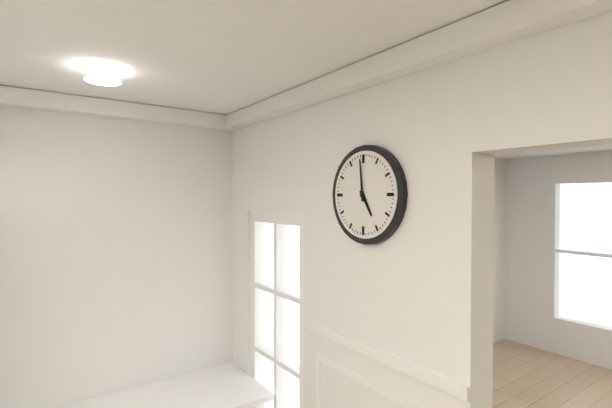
4:59
